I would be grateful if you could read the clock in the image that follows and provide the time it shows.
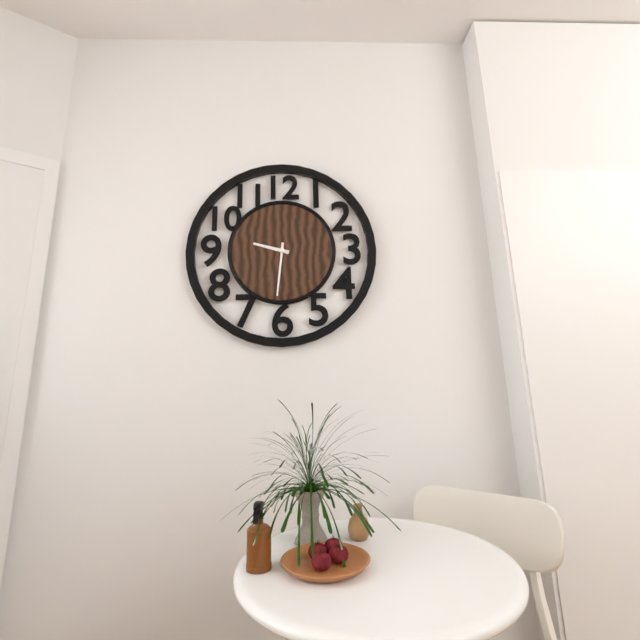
9:31
